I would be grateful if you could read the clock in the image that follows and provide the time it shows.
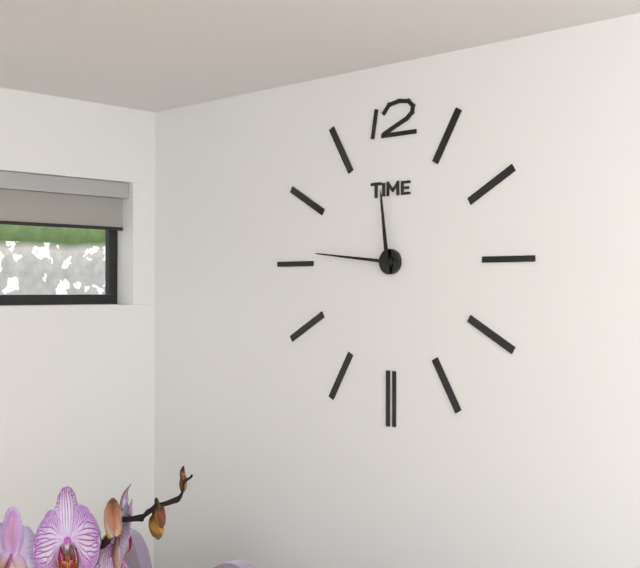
11:46
